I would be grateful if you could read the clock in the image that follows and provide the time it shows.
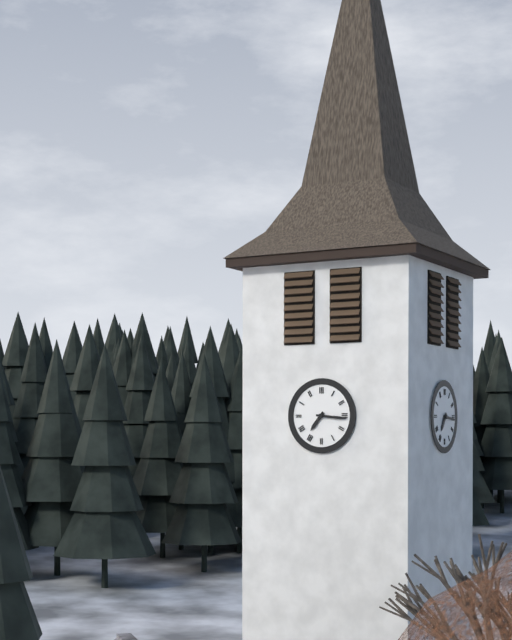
7:16
